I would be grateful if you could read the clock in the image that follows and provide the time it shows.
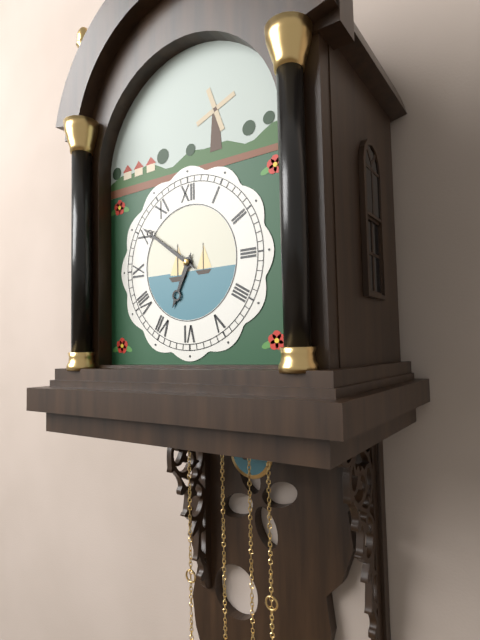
6:51
